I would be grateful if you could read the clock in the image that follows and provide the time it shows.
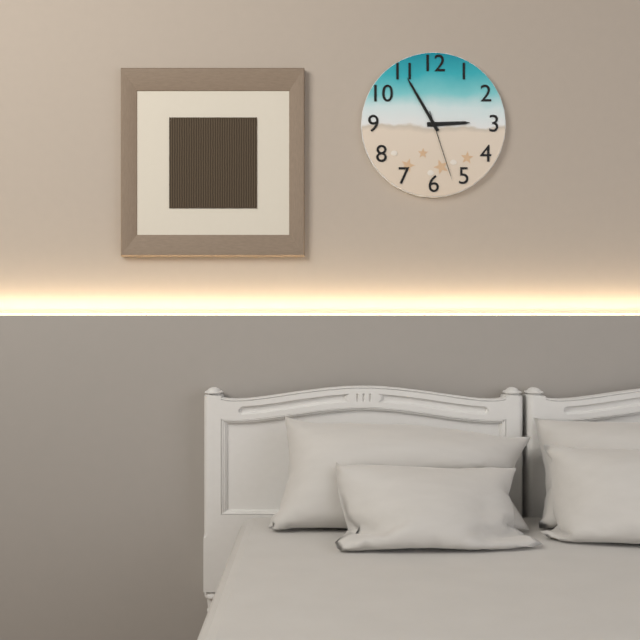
2:55:27
